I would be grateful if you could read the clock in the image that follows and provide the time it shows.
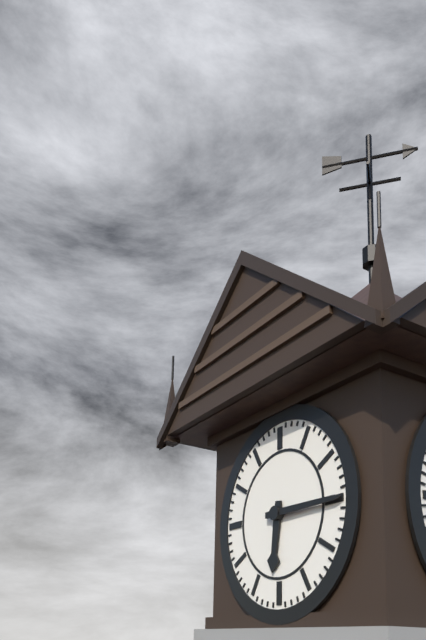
6:15
